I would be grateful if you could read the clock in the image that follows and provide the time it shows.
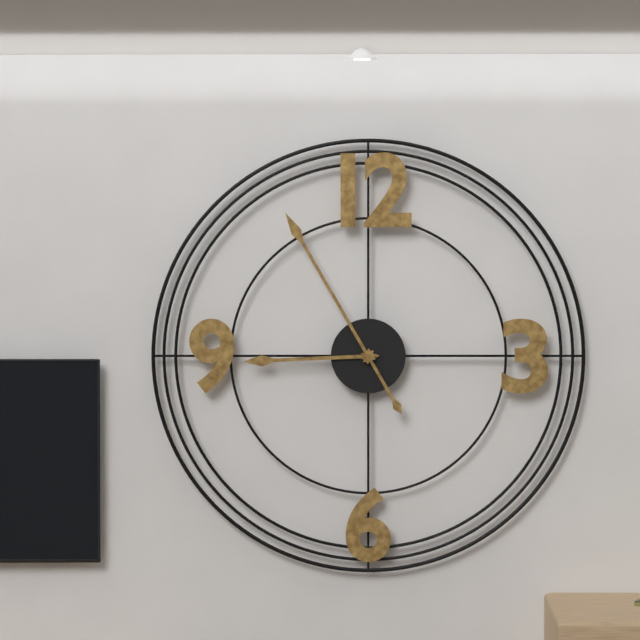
8:55
